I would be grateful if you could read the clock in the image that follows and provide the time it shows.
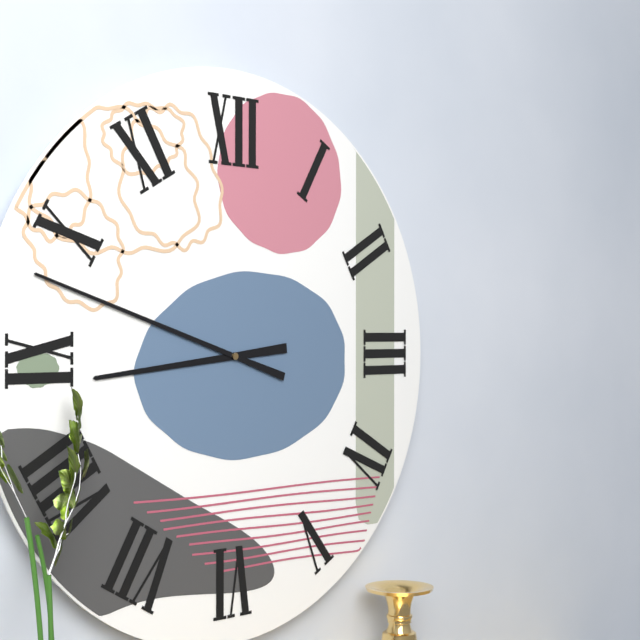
8:48
